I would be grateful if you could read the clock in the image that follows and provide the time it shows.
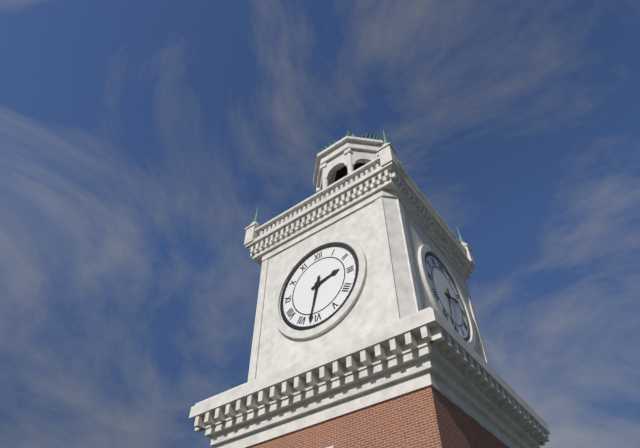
2:32
